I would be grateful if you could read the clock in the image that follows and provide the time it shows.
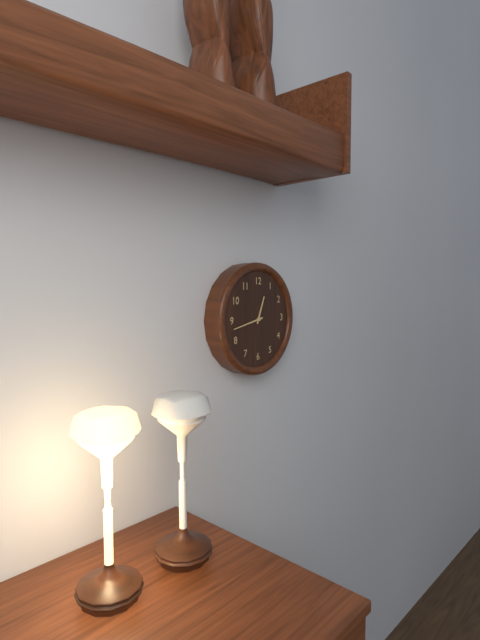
12:43
